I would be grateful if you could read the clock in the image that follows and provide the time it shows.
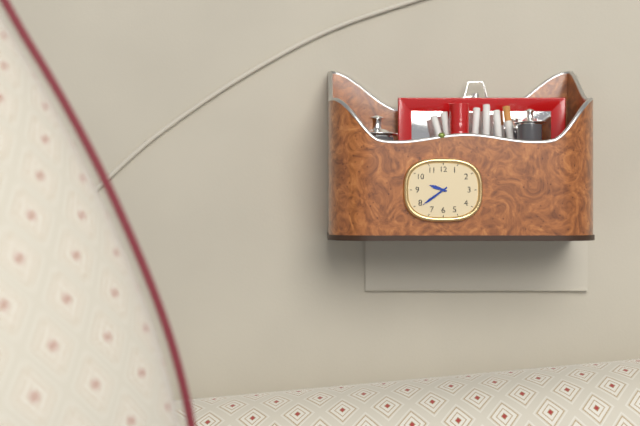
9:39
